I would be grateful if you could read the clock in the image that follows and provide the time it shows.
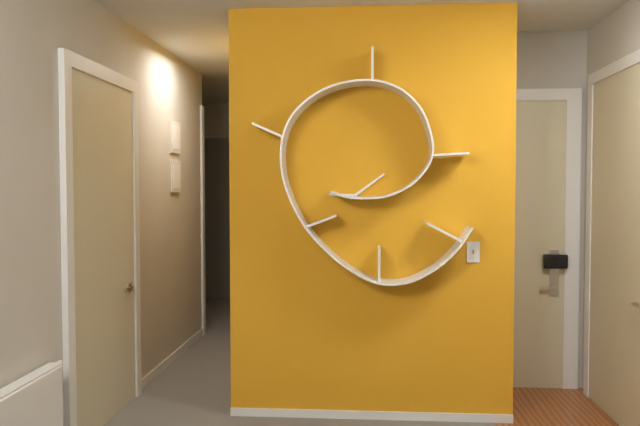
9:09
